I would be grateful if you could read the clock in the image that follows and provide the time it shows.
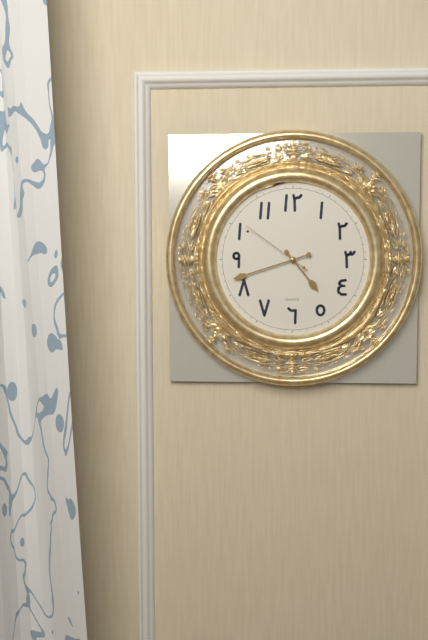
4:42:51
